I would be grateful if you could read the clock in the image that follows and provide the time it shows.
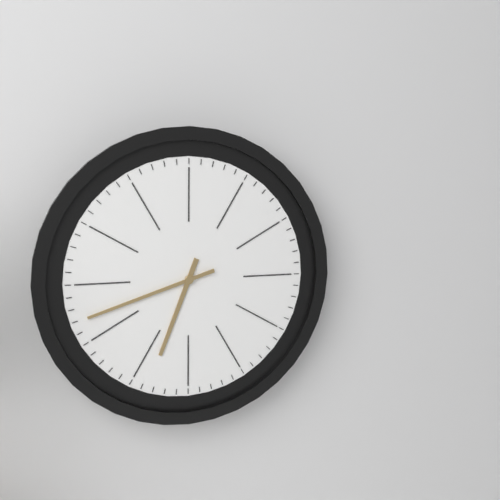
6:42
